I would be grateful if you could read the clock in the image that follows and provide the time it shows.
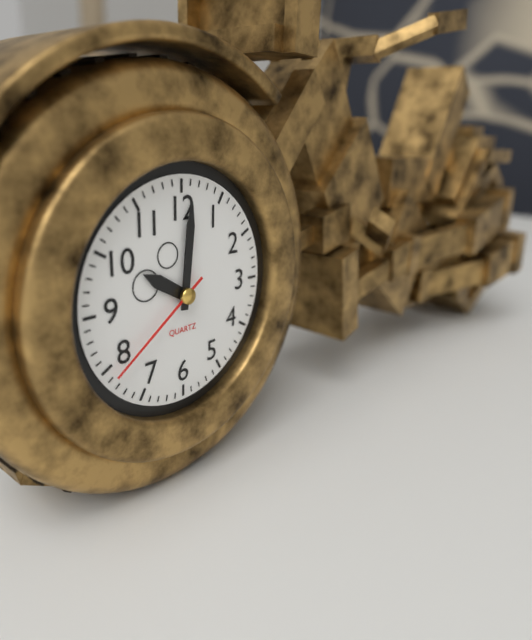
10:01:39
